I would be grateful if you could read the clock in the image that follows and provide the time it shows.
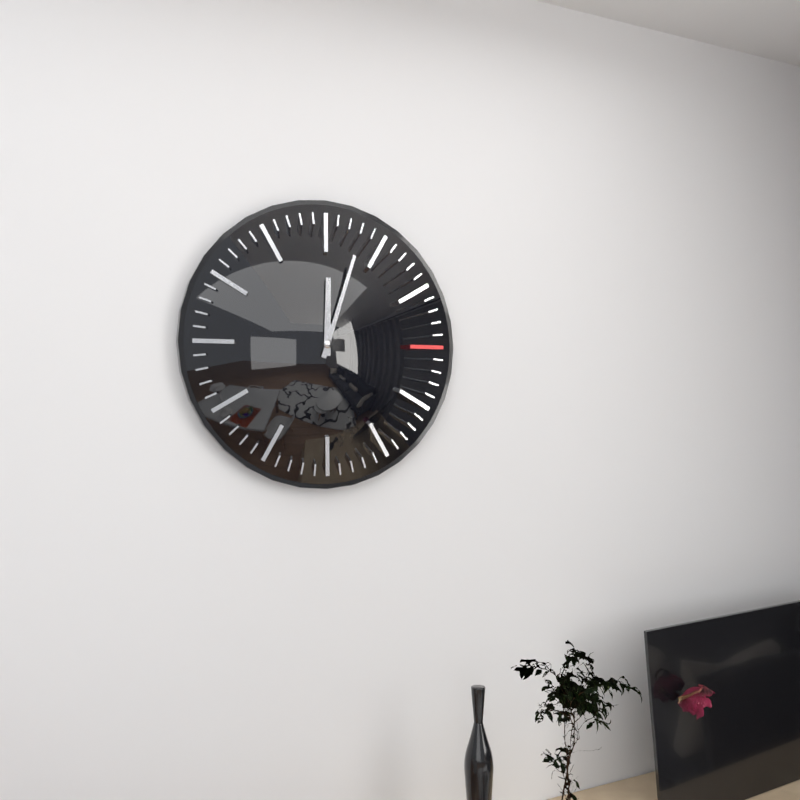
12:03
